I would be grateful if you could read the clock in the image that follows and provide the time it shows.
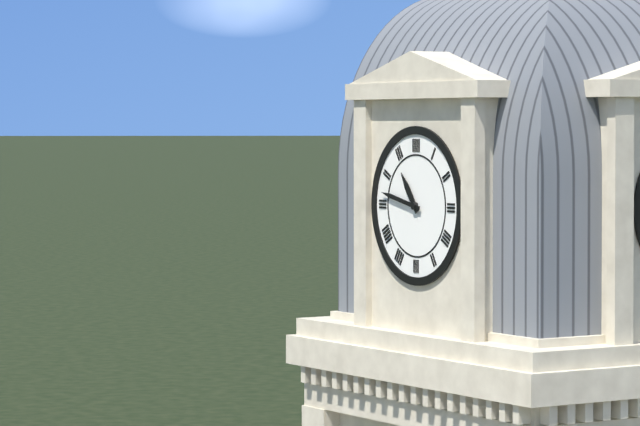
10:47
